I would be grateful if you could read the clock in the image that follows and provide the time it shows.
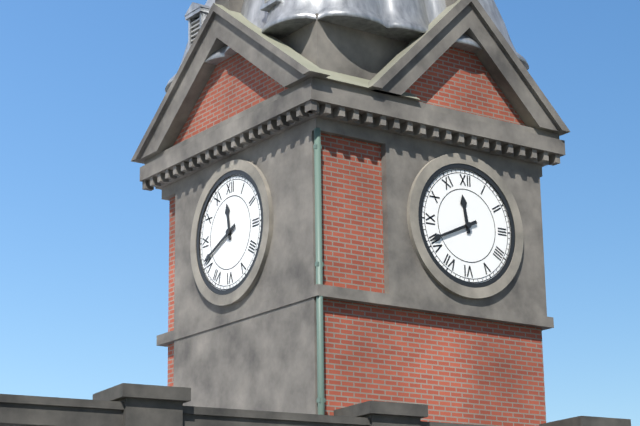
11:41
